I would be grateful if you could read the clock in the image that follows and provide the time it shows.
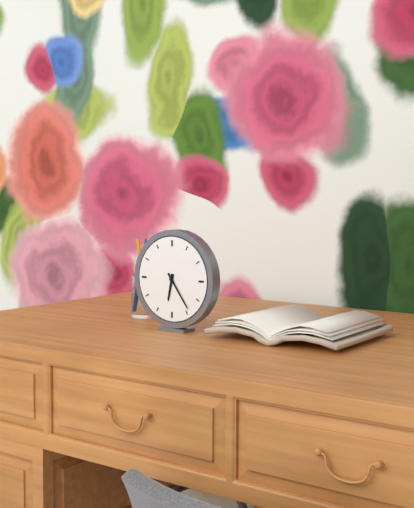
6:24
